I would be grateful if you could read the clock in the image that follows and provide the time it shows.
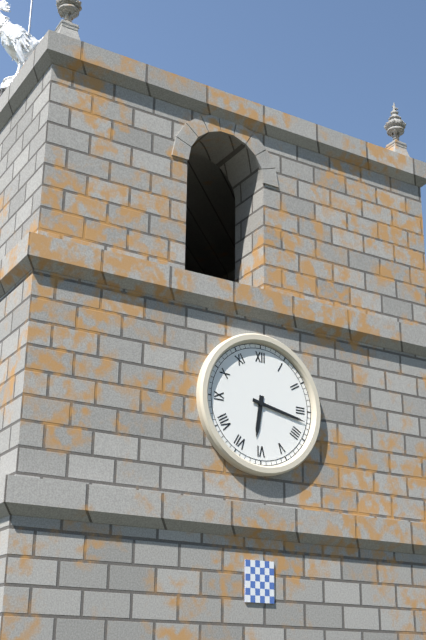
6:17
